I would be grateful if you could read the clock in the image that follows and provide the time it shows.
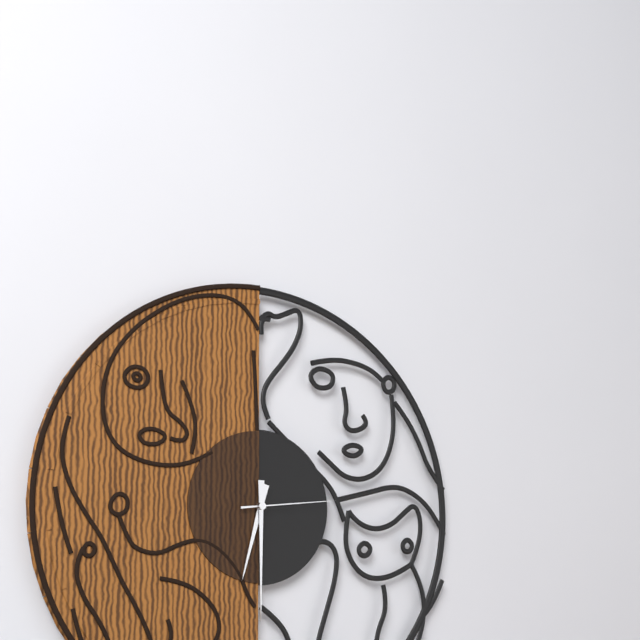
6:30:14
